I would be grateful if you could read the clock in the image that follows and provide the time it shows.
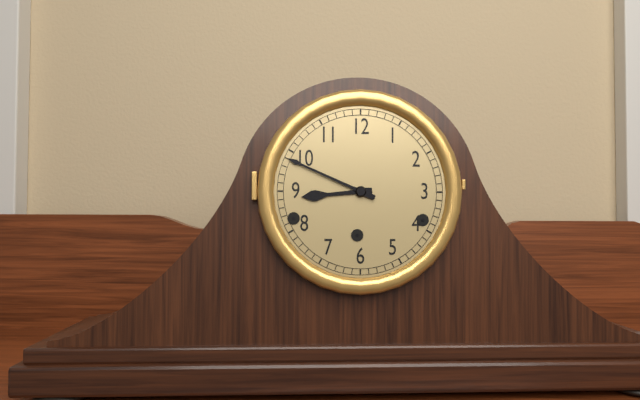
8:49
